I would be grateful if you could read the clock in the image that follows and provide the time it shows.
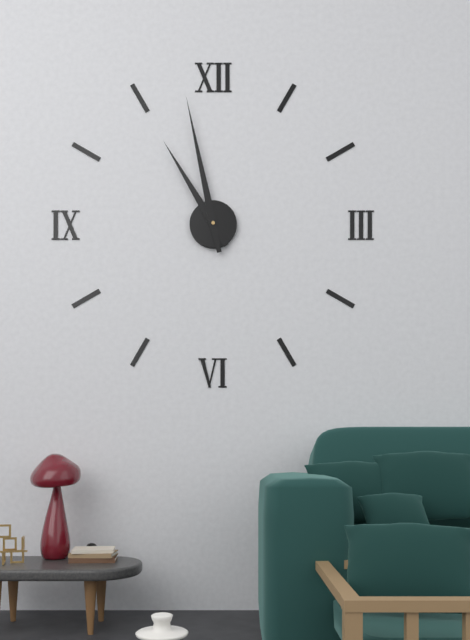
10:58
